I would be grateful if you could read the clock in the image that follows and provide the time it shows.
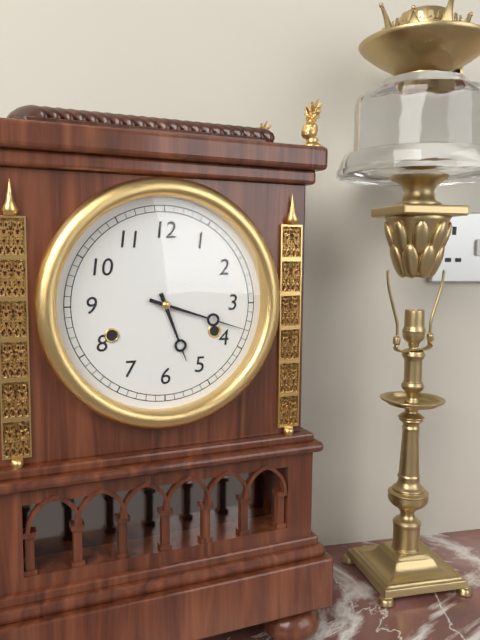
5:18
